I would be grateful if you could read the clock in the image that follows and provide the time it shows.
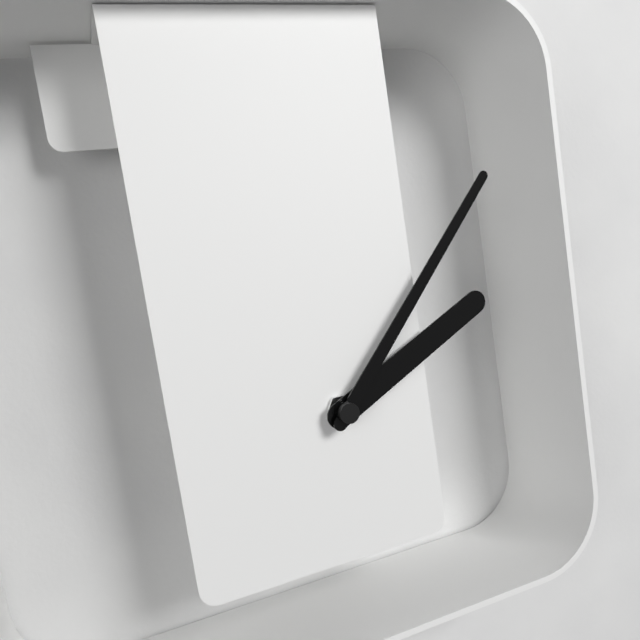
2:07
